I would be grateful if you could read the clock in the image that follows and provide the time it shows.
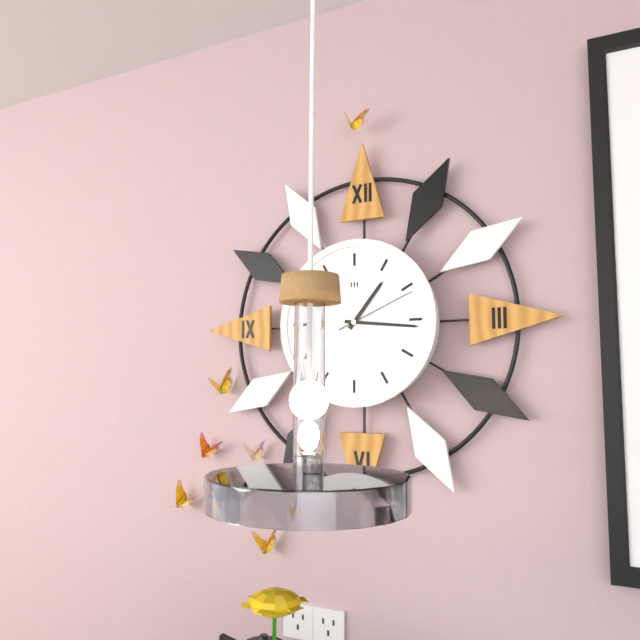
1:16:11
